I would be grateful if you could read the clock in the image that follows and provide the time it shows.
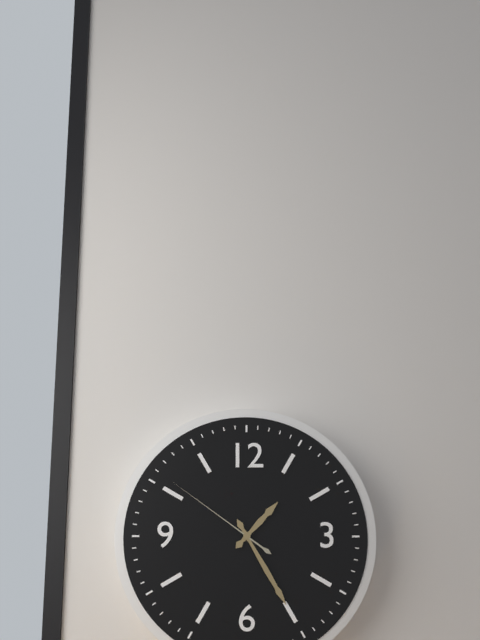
1:25:51
